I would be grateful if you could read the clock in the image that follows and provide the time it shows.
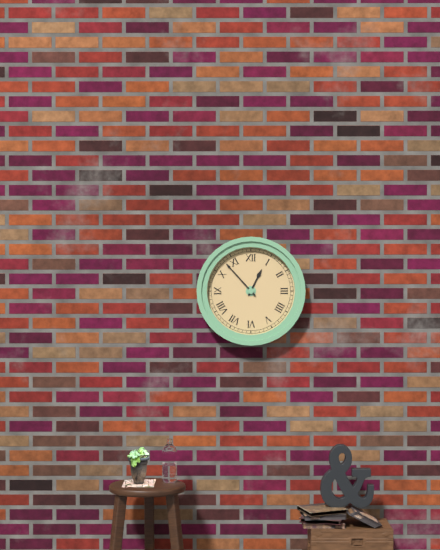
12:53
